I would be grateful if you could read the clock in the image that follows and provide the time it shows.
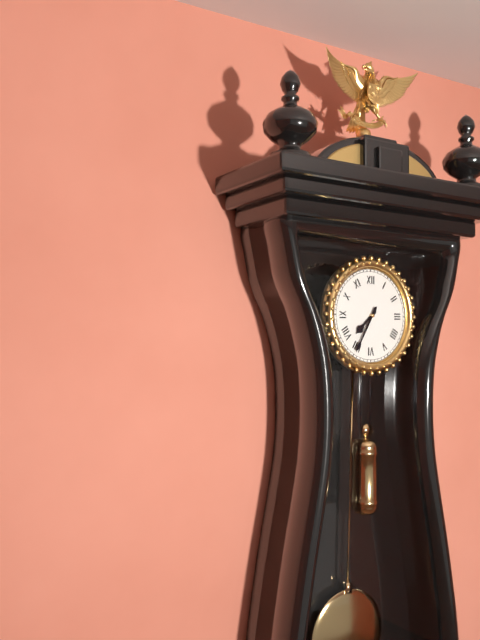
7:35
